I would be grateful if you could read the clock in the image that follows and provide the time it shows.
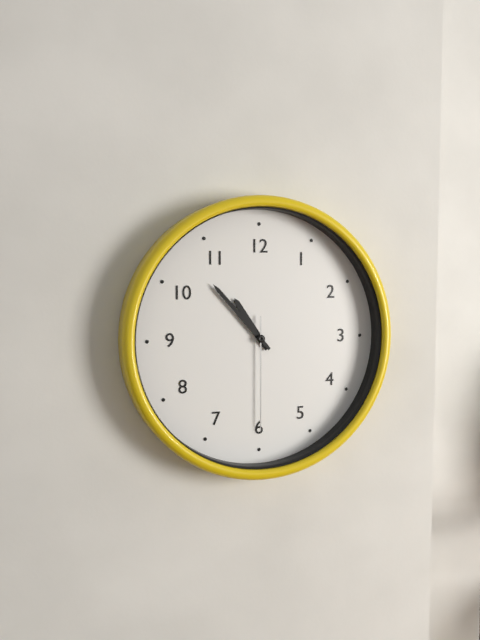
10:53:30
